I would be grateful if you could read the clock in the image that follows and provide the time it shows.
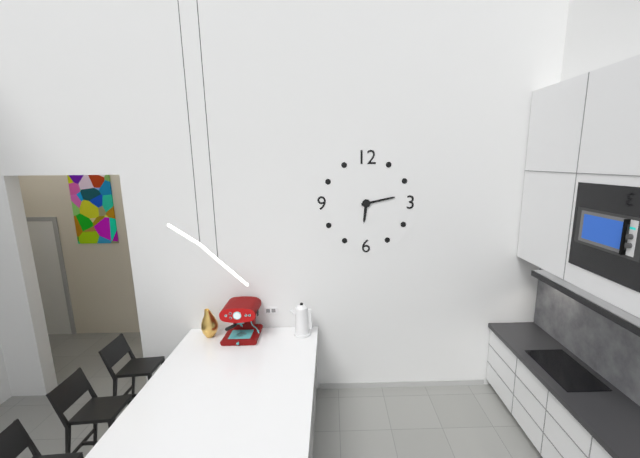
6:13
